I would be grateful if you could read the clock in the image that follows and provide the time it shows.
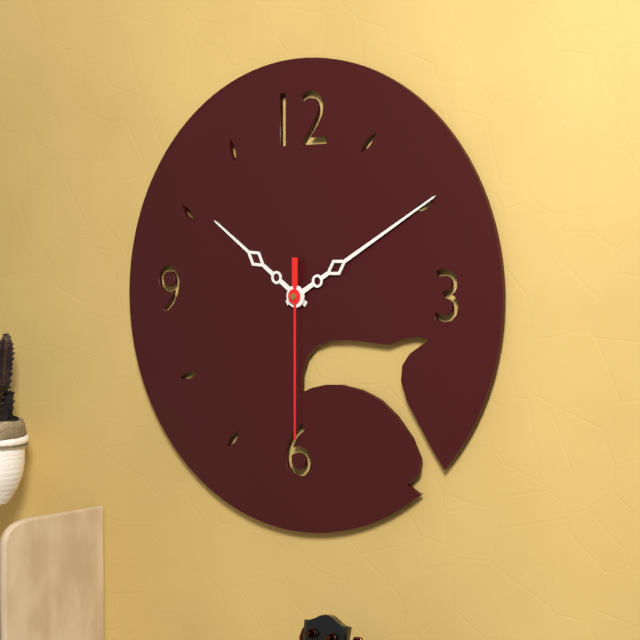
10:10:30
